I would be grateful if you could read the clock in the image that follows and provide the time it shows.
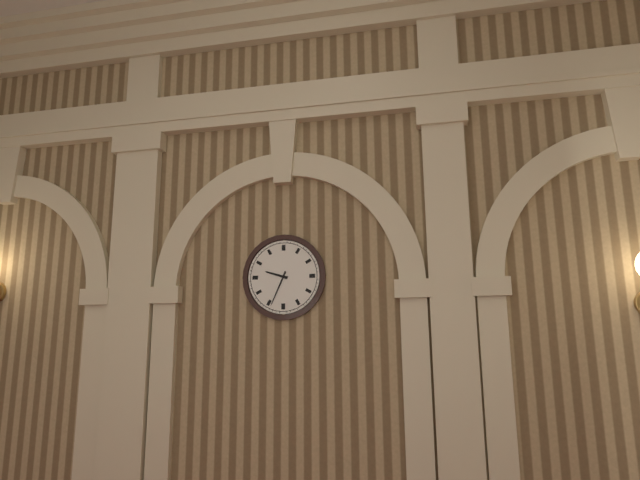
9:34
